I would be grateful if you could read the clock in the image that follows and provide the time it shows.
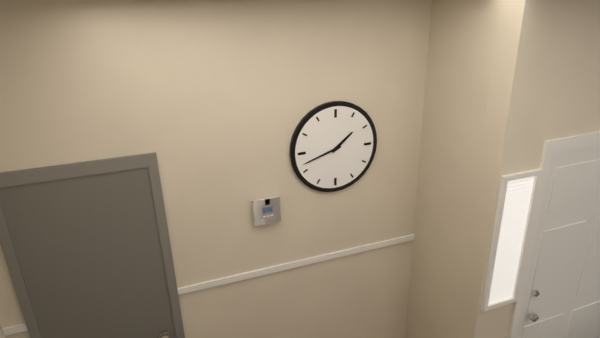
1:42
